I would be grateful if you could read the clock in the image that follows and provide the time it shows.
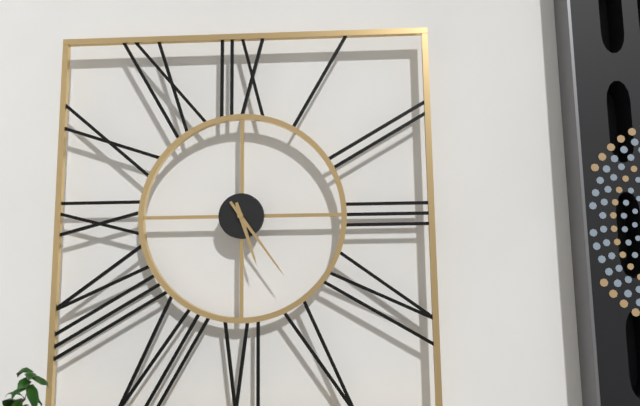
5:24
